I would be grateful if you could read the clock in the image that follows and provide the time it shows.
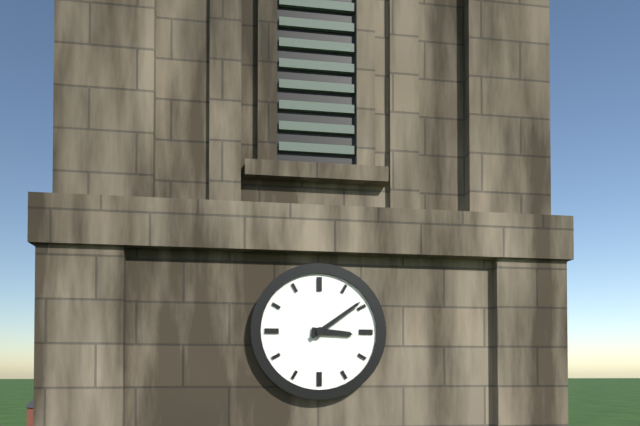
3:09
